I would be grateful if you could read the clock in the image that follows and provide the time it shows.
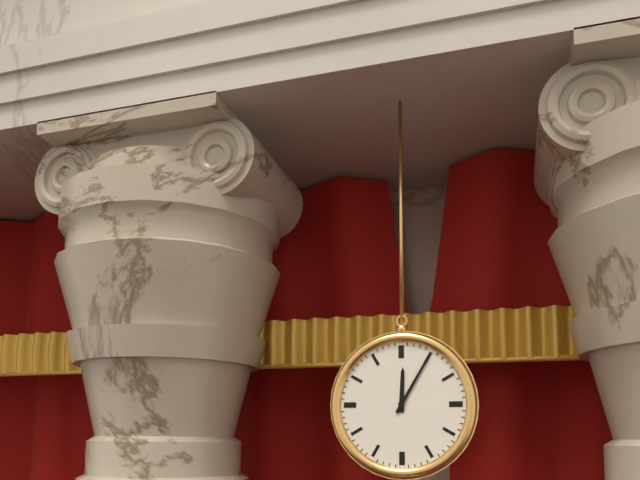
12:05
